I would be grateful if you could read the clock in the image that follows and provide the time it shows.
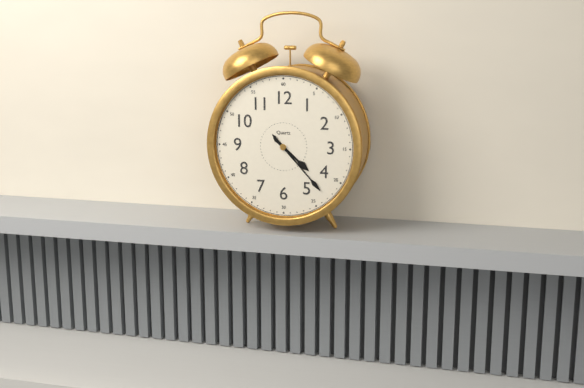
4:23
